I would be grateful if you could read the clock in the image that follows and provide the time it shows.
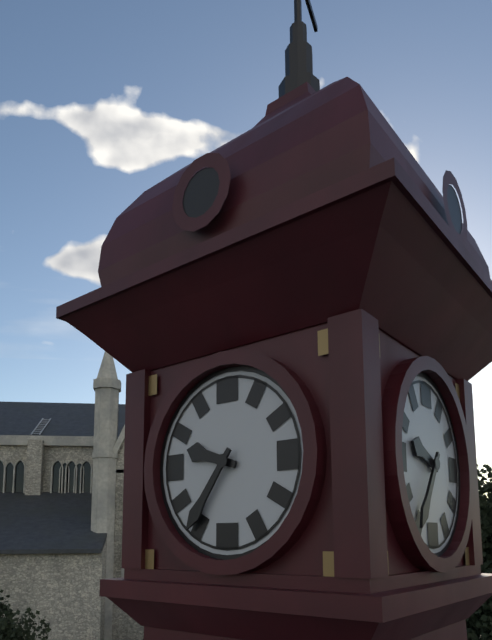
9:36
